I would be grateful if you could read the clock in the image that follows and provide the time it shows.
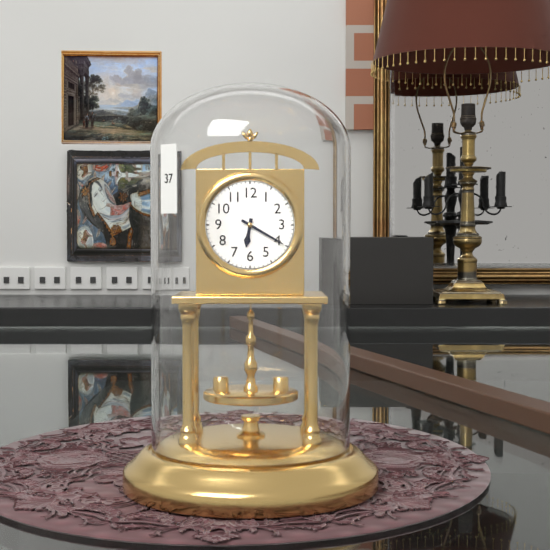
6:20
